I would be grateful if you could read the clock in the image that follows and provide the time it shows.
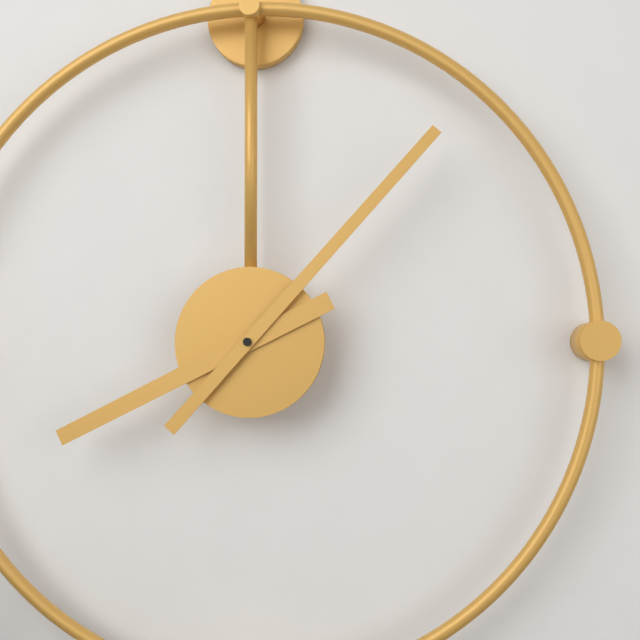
8:07
